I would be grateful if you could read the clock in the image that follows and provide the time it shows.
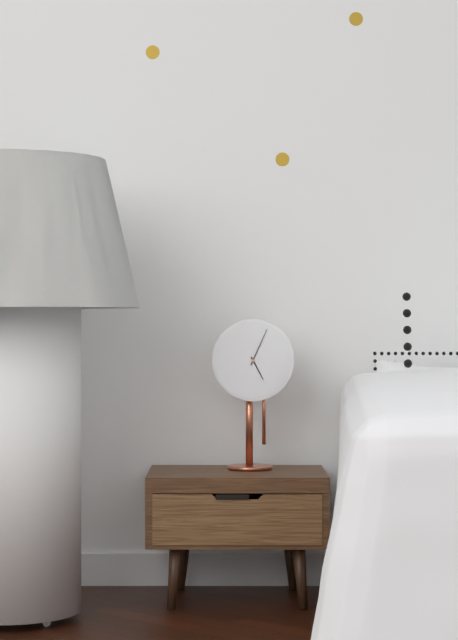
5:04
